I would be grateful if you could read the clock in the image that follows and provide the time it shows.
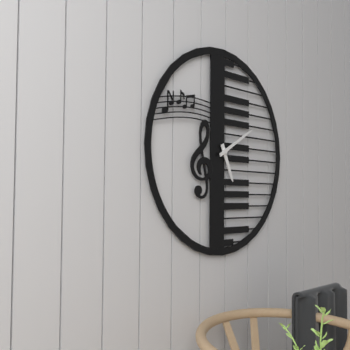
5:10
